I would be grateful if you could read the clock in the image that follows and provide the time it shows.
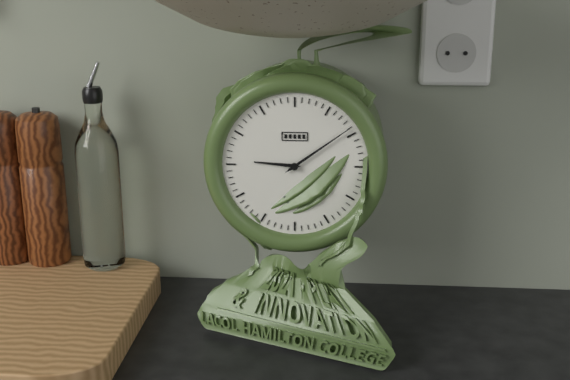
9:09
